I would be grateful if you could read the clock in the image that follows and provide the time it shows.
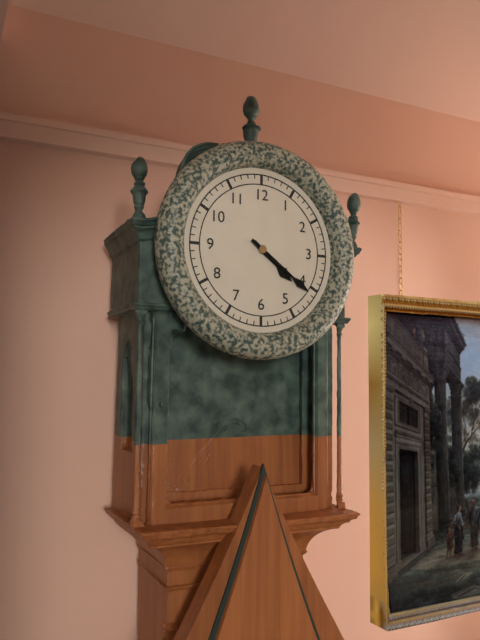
4:21
